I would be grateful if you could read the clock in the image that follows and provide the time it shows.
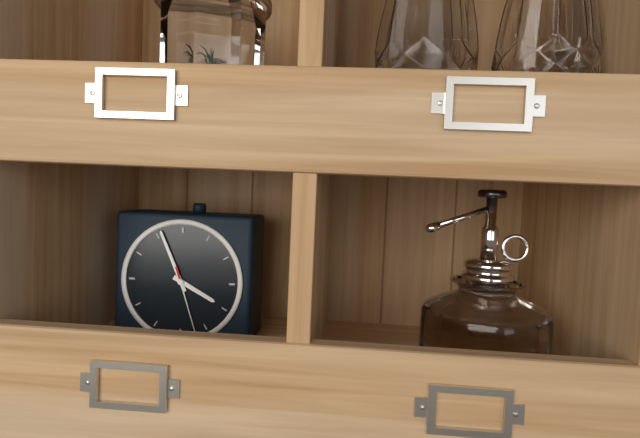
3:56:27
